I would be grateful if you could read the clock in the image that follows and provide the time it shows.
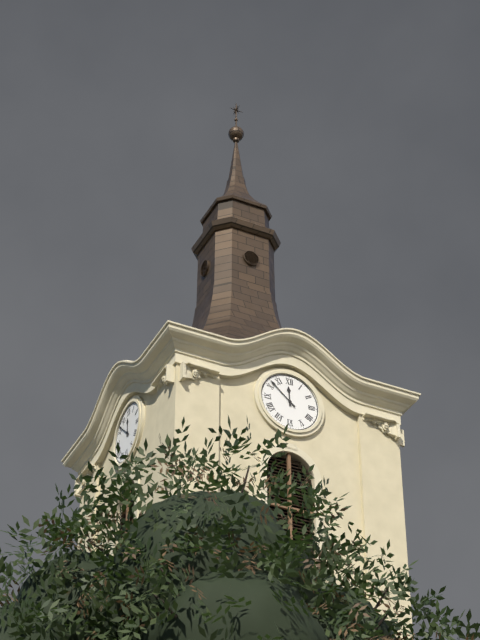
11:52
